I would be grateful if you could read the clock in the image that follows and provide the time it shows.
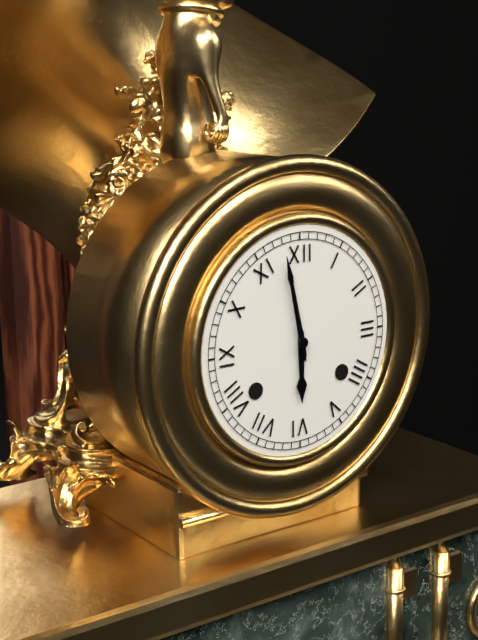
5:58
